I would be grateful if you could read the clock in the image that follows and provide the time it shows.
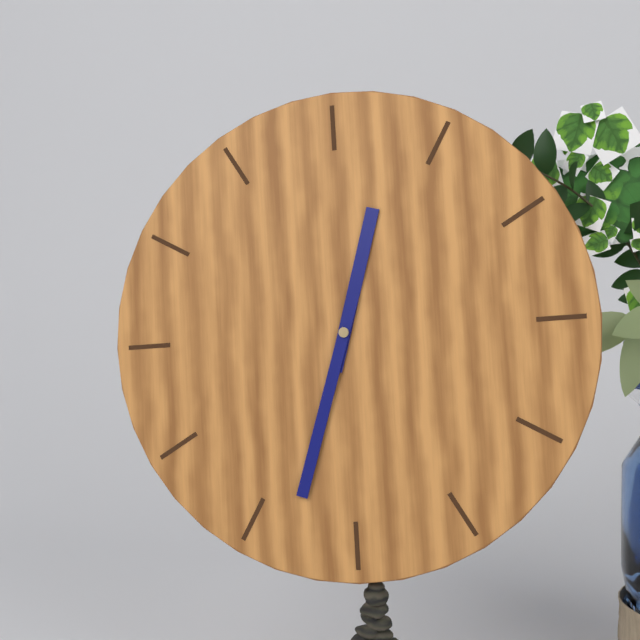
12:33
